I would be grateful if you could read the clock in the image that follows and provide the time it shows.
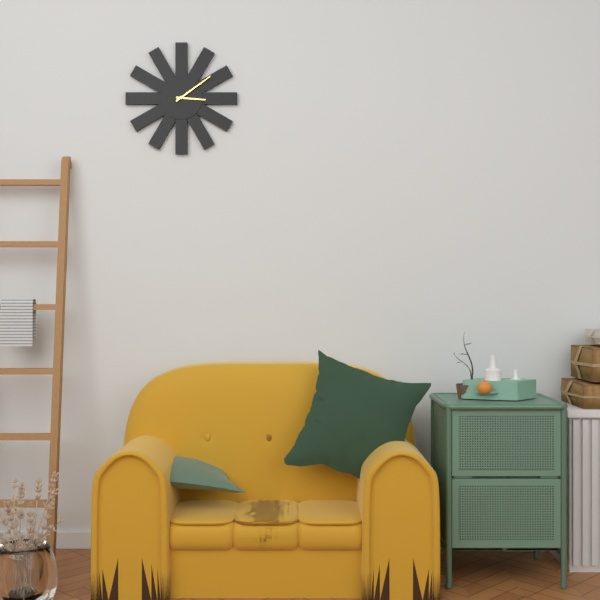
3:09
